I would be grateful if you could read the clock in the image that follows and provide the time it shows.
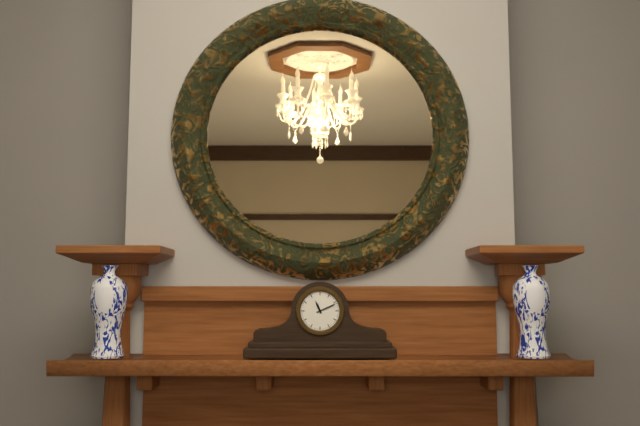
11:11
